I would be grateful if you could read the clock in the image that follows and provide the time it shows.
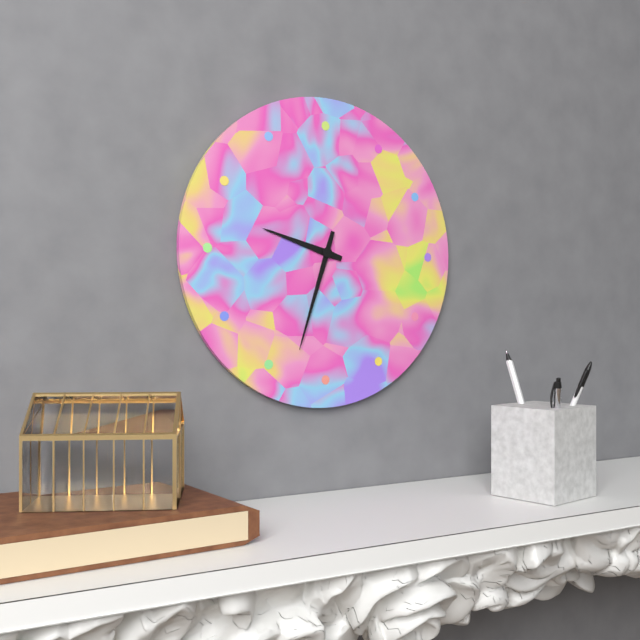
9:33
